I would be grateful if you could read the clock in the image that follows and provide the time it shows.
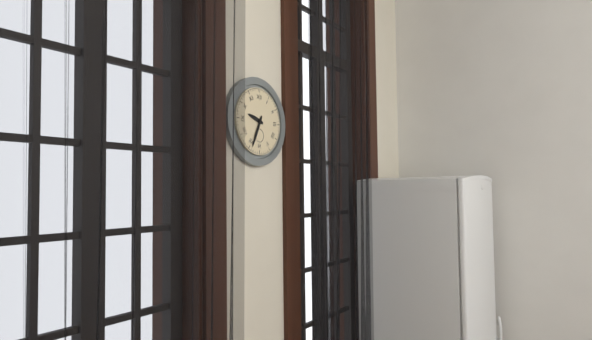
9:34
